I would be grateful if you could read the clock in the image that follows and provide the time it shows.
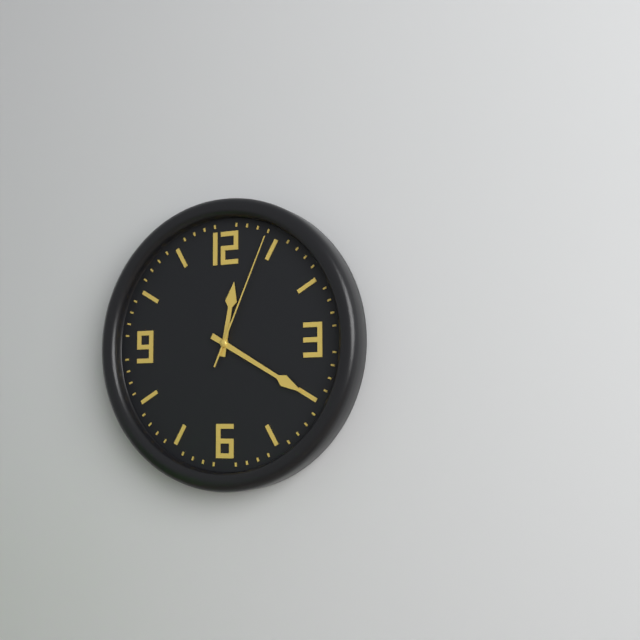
12:20:04
